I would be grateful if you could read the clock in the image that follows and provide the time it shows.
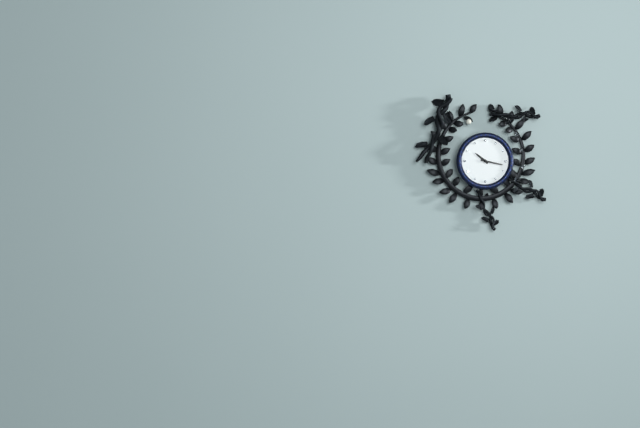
10:17
